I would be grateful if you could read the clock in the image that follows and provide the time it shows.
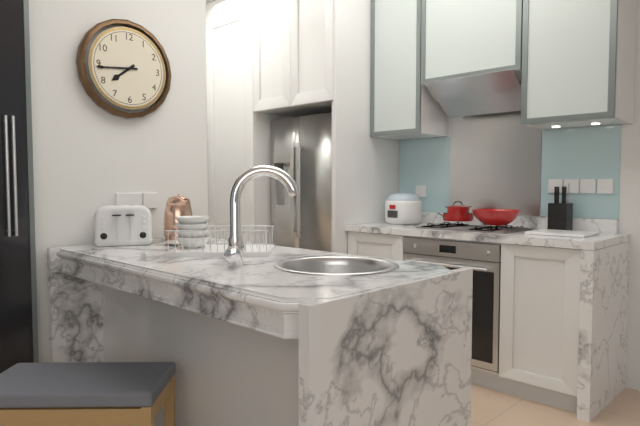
7:44
